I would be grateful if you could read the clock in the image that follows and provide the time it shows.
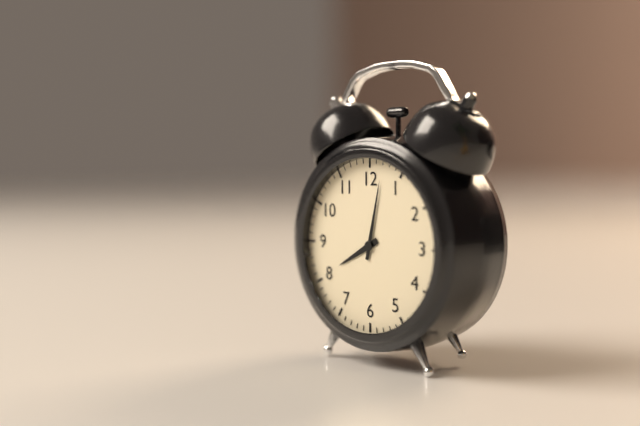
8:02
